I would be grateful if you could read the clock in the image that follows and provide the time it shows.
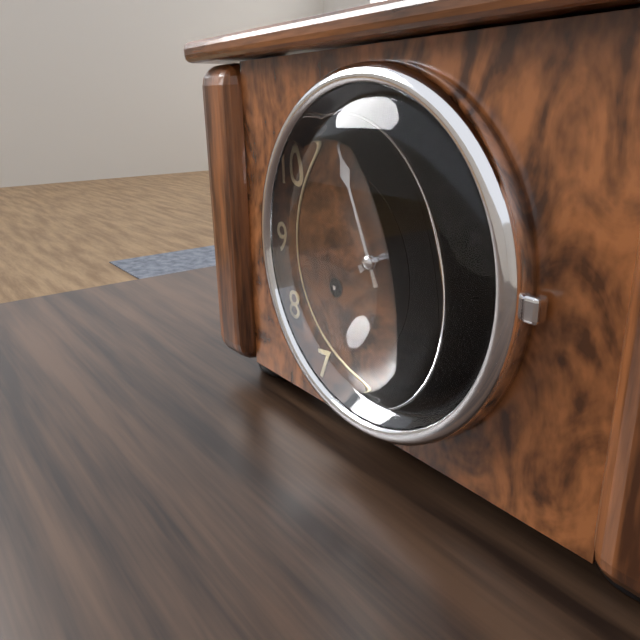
1:56
